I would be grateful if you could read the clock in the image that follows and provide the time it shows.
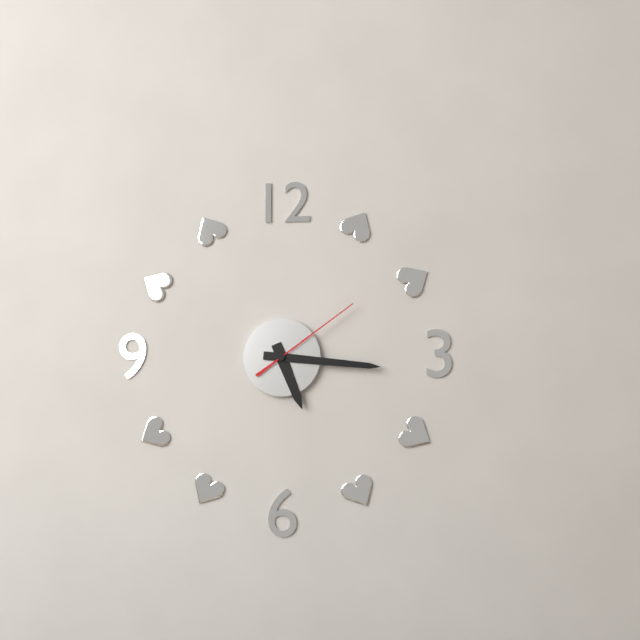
5:16:09
